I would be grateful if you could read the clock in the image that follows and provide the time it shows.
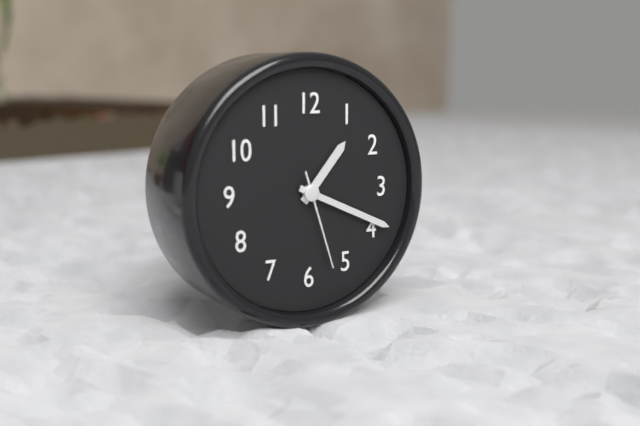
1:19:27
